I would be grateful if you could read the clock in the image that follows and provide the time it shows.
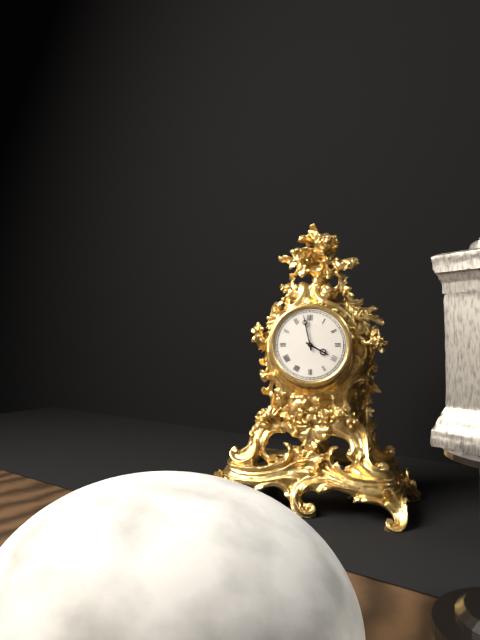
3:58
